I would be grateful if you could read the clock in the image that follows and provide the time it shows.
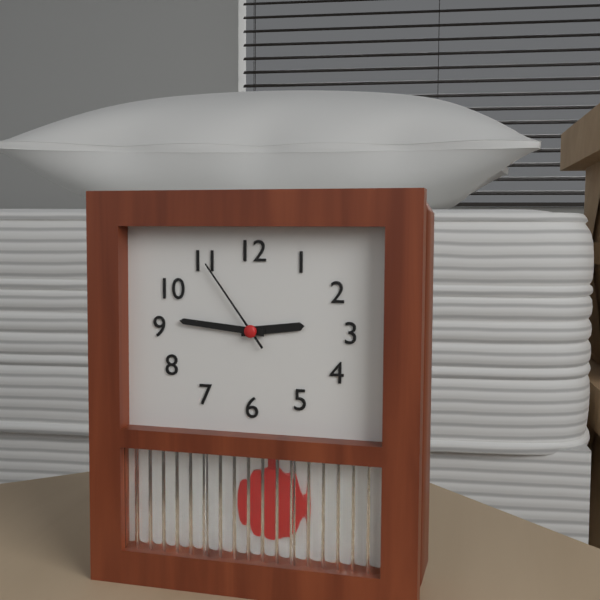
2:46:54
